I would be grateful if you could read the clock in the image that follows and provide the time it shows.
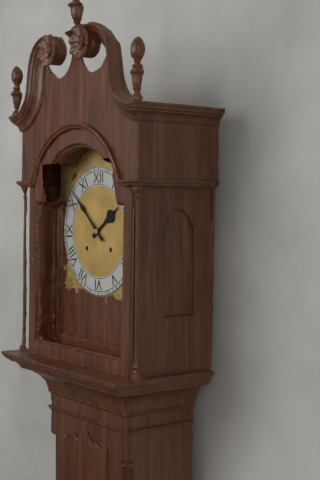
1:52
